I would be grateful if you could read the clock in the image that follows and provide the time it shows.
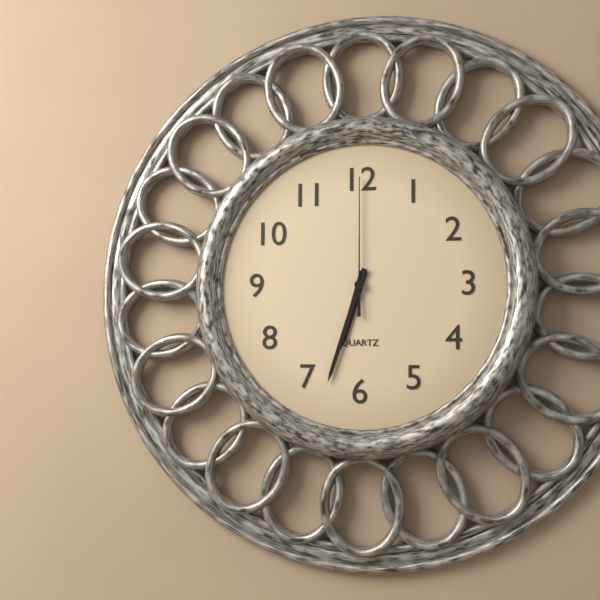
6:33:00
